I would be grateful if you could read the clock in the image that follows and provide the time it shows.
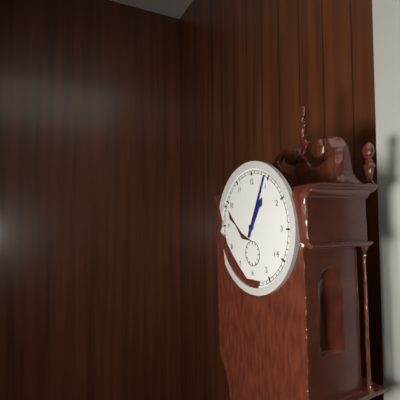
1:04
